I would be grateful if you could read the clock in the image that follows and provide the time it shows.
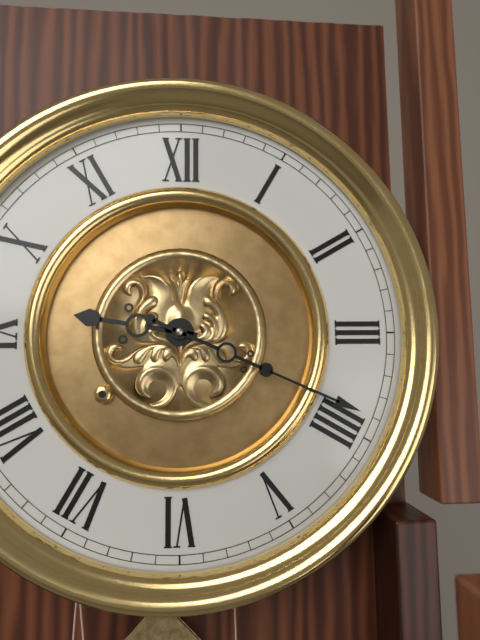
9:19
